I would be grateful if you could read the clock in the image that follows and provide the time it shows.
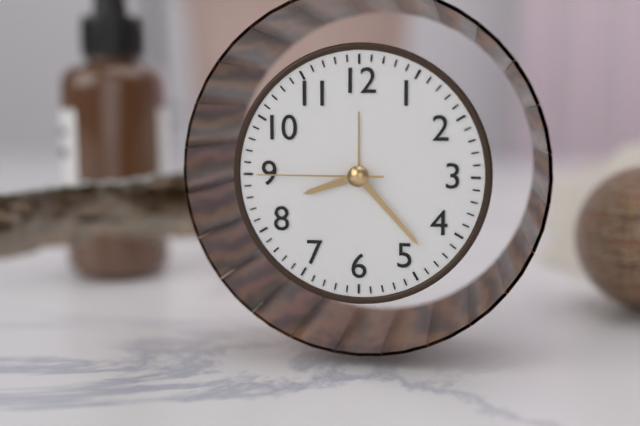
8:23:45
